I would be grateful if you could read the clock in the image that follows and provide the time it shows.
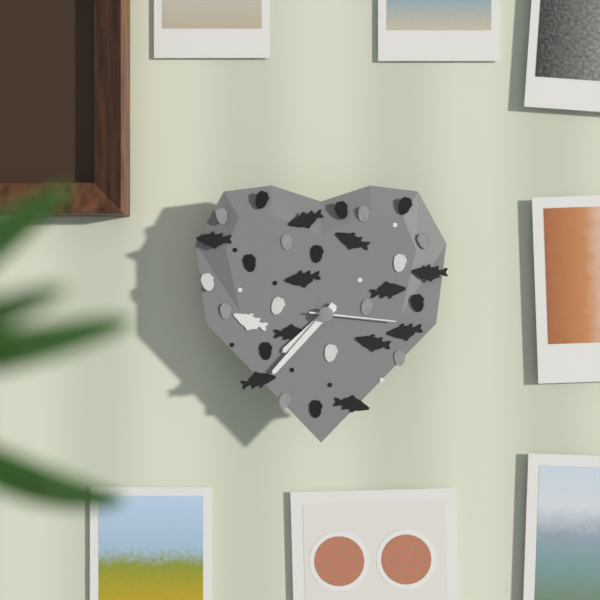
7:37:16
